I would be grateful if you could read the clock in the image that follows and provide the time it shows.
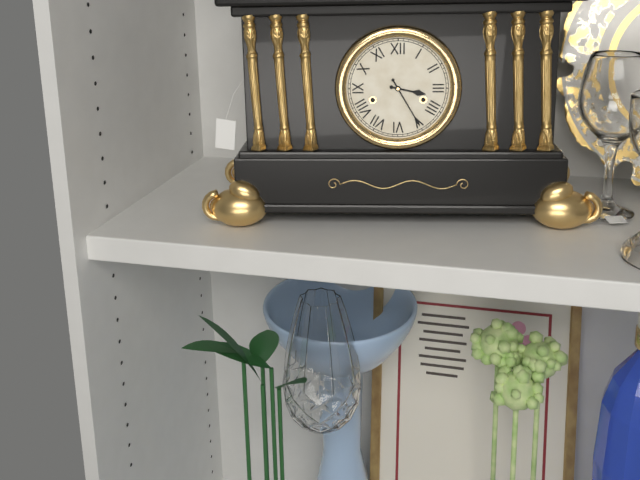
3:25
